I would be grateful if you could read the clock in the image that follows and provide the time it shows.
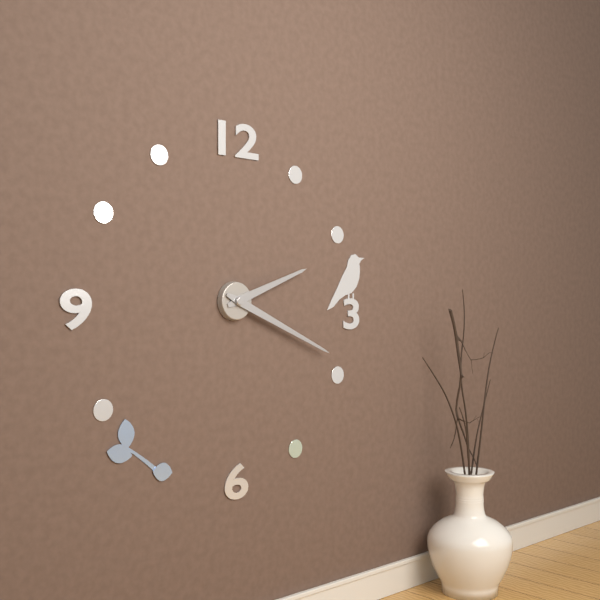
2:19
